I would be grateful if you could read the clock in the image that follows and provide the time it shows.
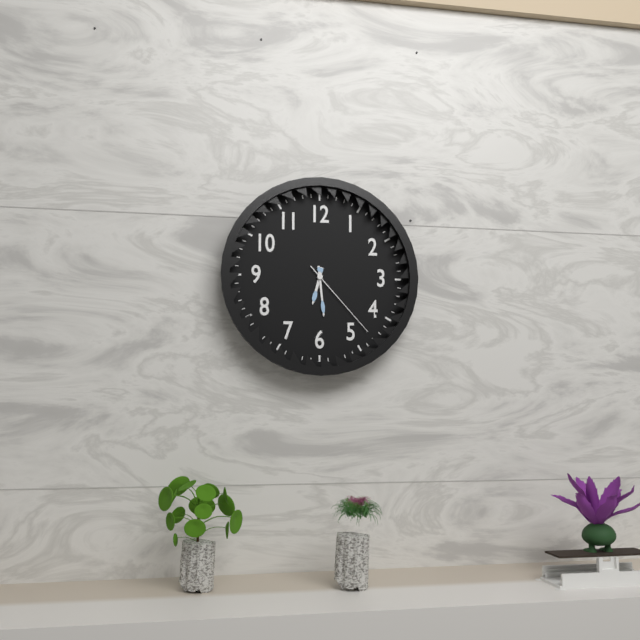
6:29:23
